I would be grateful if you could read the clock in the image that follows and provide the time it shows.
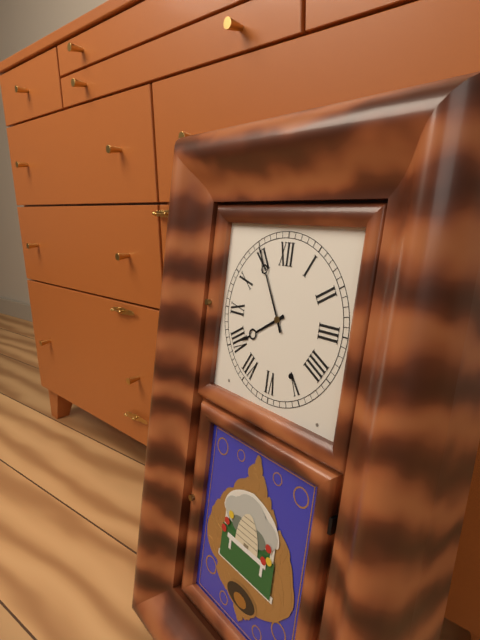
7:55
